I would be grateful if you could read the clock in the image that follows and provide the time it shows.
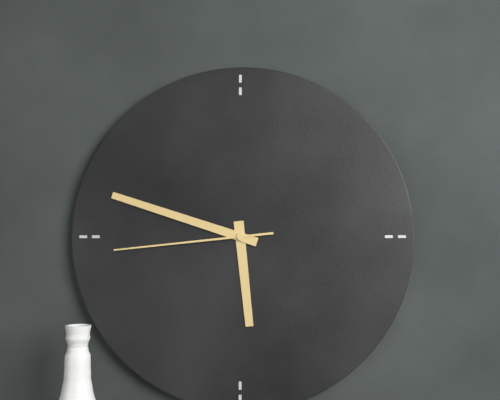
5:48:44
